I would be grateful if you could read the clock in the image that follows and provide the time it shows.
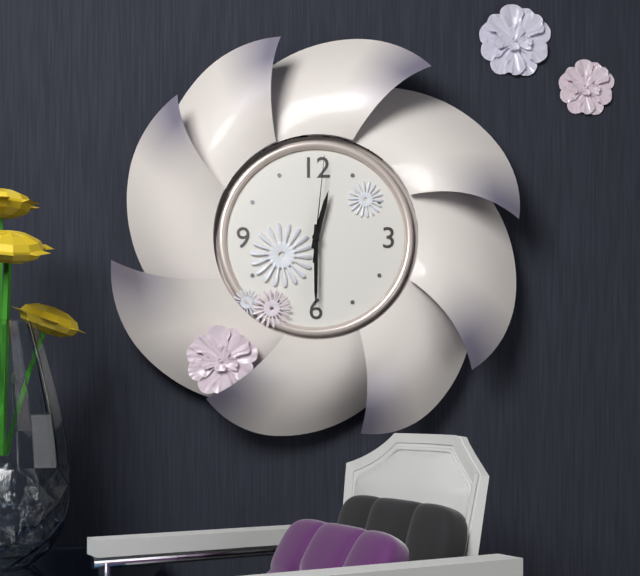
12:30:01
